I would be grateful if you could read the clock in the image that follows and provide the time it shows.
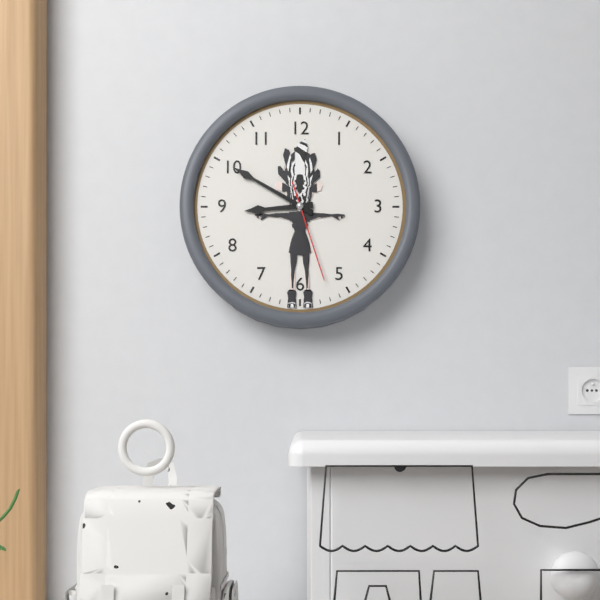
8:50:27
